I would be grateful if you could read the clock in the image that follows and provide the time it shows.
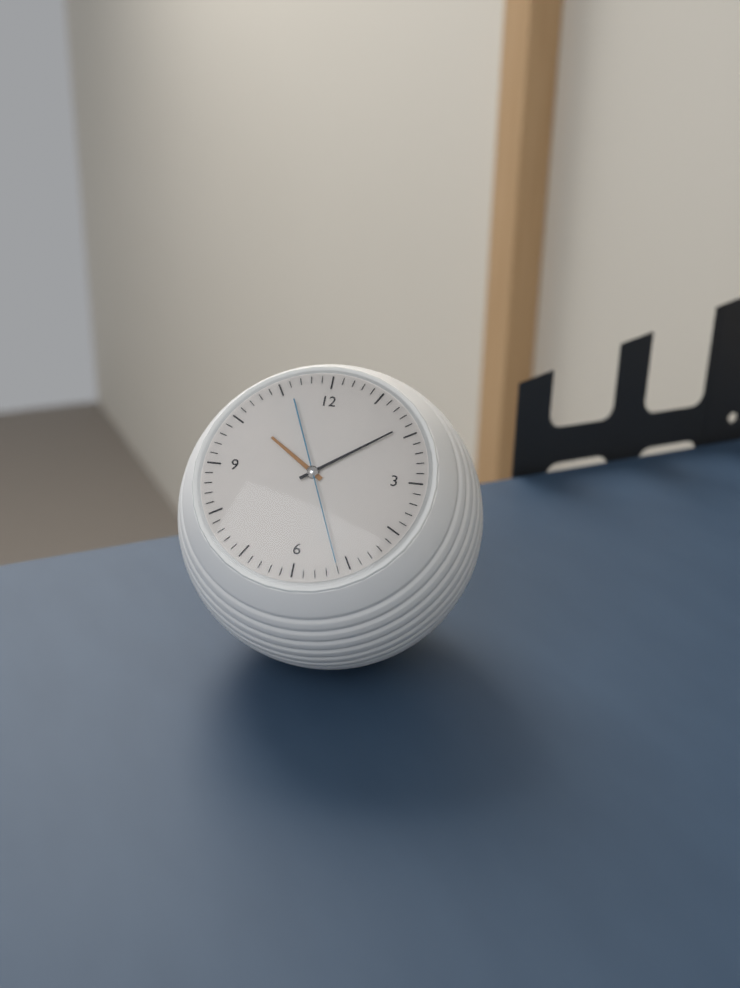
10:09:26
